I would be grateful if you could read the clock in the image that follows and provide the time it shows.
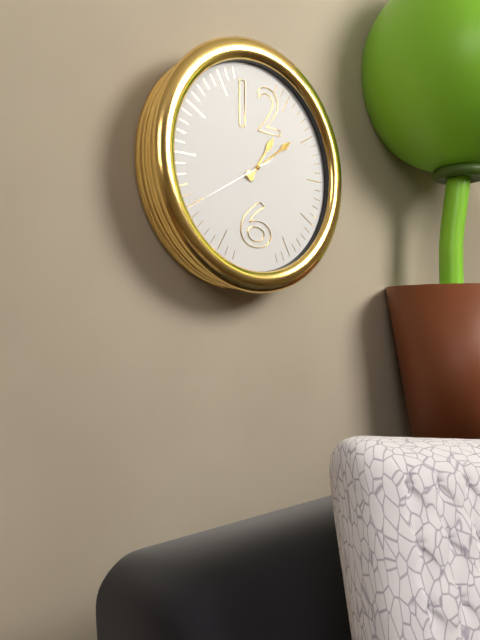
1:09:40
